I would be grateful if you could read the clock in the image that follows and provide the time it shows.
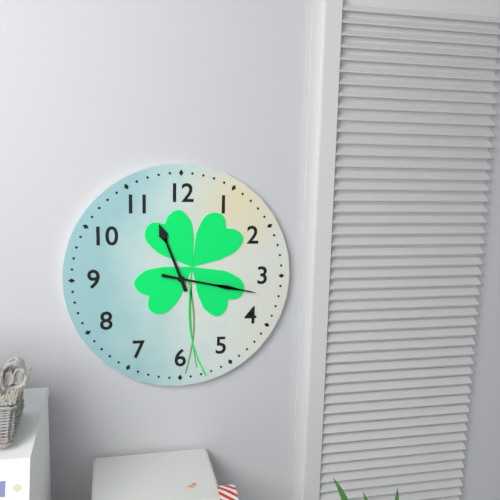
11:17
